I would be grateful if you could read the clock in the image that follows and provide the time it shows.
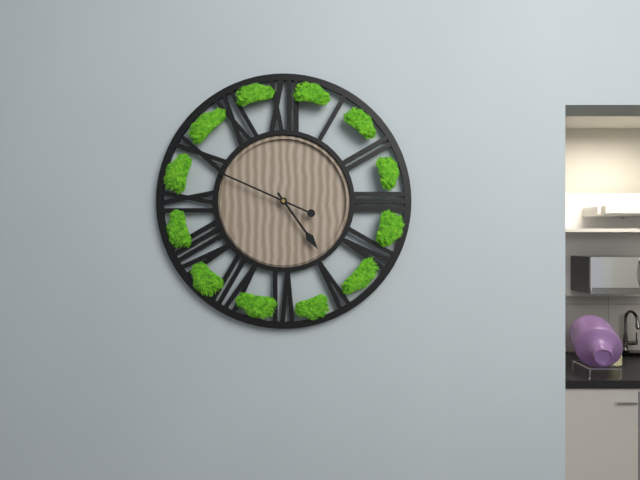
4:49
